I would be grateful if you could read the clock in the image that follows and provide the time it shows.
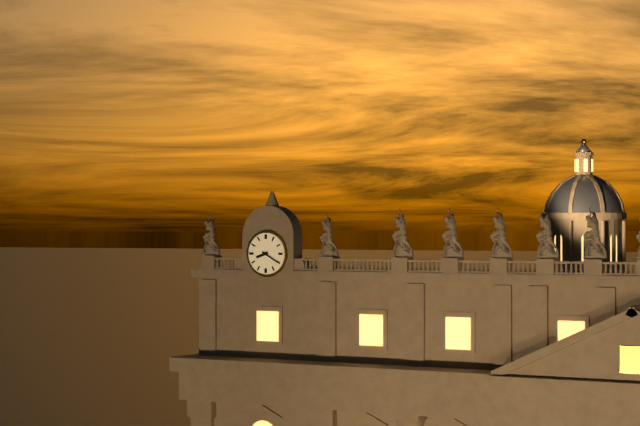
8:20
